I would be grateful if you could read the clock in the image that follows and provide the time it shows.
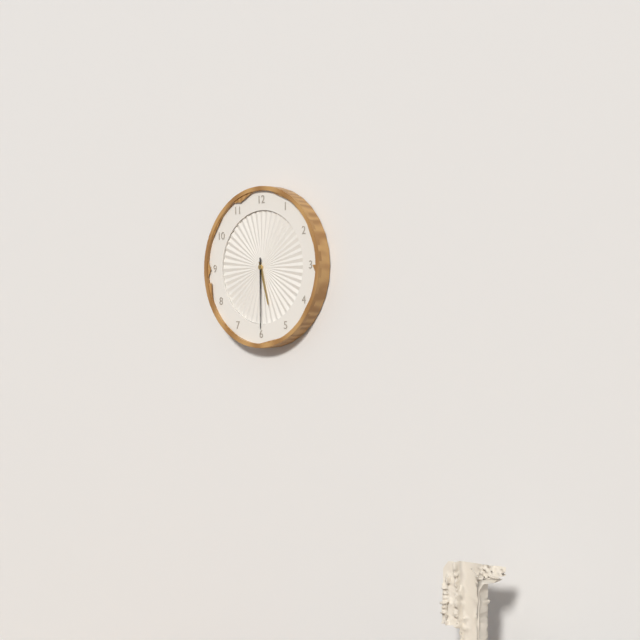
5:30
